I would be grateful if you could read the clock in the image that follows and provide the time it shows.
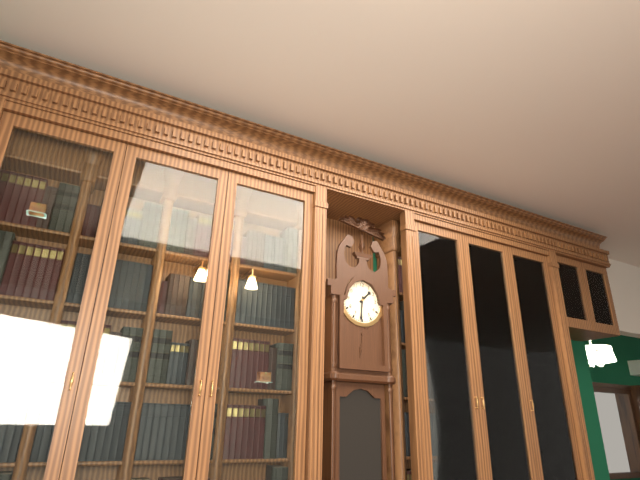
1:31
